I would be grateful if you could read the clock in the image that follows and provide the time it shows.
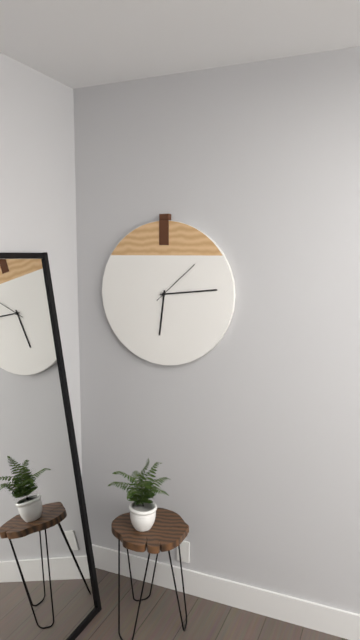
6:14:08
